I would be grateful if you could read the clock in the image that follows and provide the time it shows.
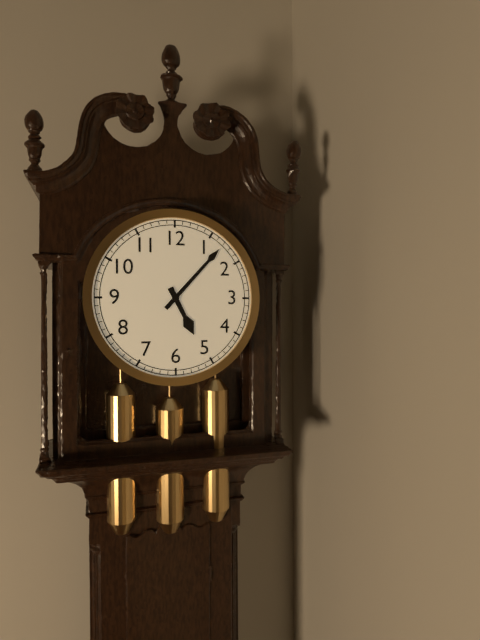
5:07
